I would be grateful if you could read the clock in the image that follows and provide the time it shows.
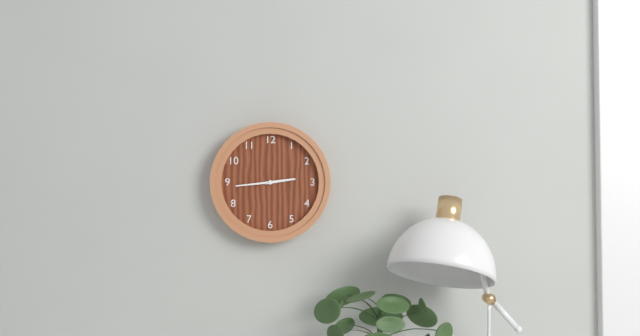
2:44
